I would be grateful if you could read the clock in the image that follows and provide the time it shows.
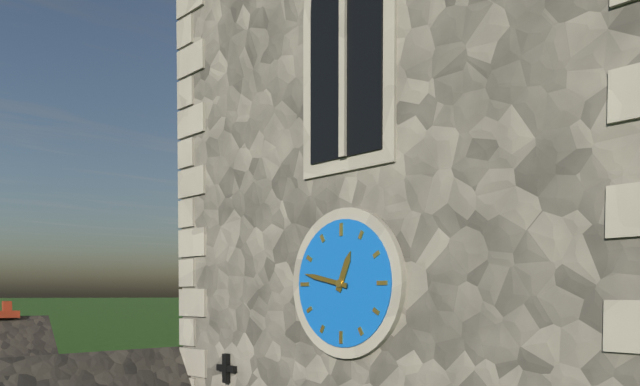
12:47
